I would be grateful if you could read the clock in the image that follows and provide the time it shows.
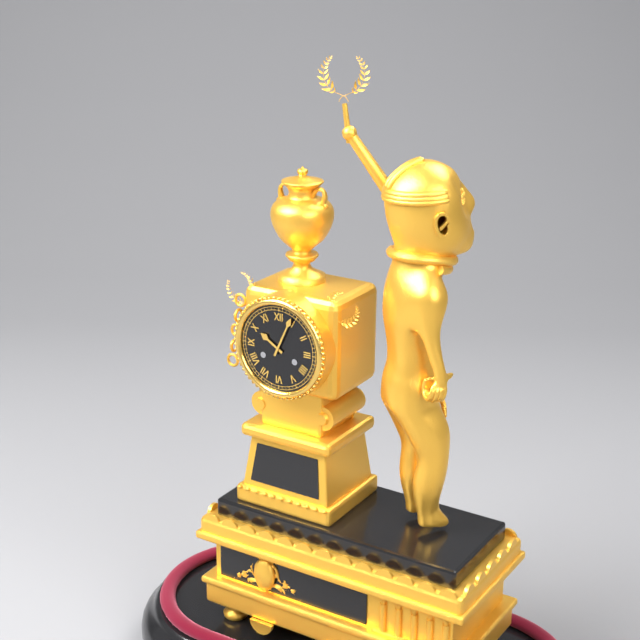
10:04
